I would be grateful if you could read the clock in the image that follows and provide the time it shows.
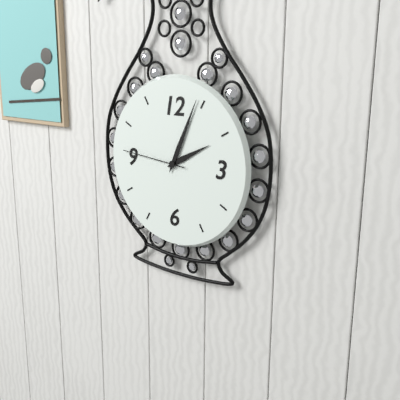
2:04:46
